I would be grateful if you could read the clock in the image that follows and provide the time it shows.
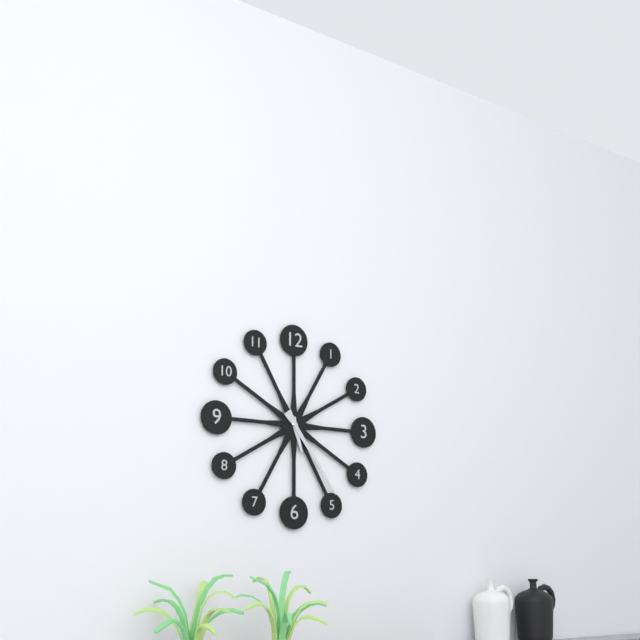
5:24
